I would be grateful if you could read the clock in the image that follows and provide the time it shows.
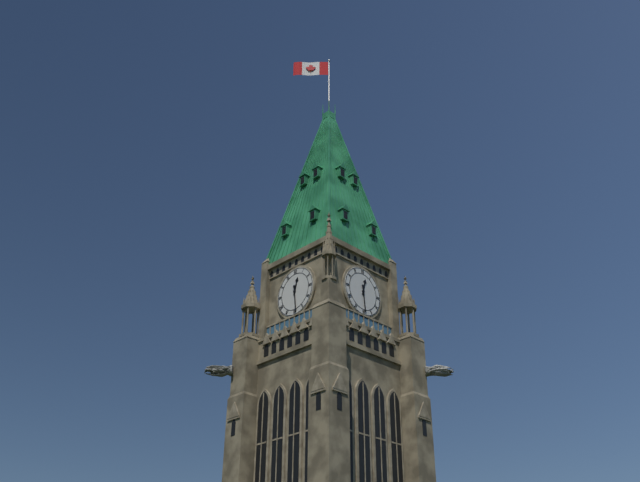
12:29
